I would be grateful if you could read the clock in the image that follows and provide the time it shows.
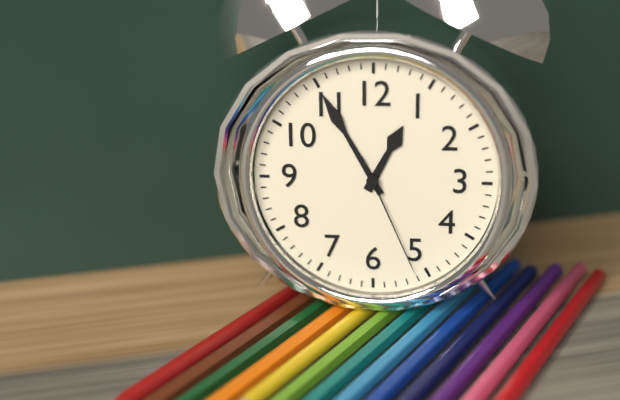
12:55:26
